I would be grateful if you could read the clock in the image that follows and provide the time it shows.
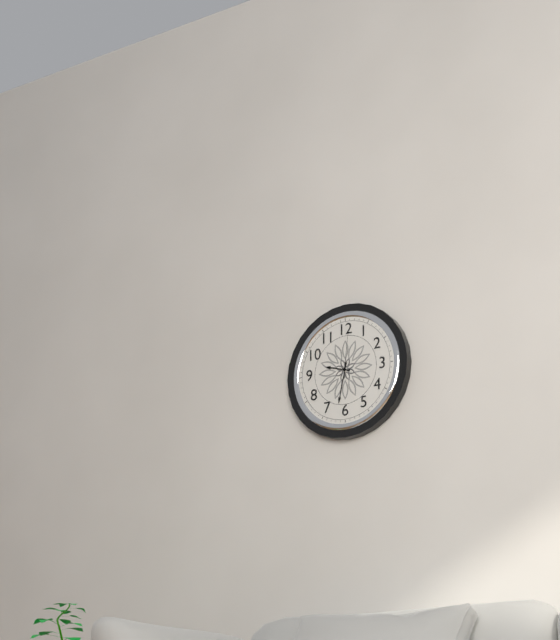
9:32
